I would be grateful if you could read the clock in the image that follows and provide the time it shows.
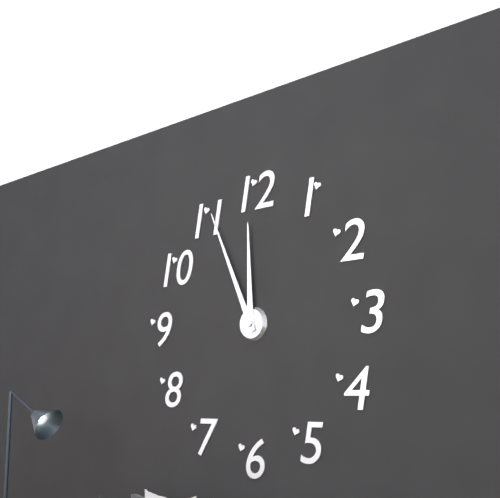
11:56
